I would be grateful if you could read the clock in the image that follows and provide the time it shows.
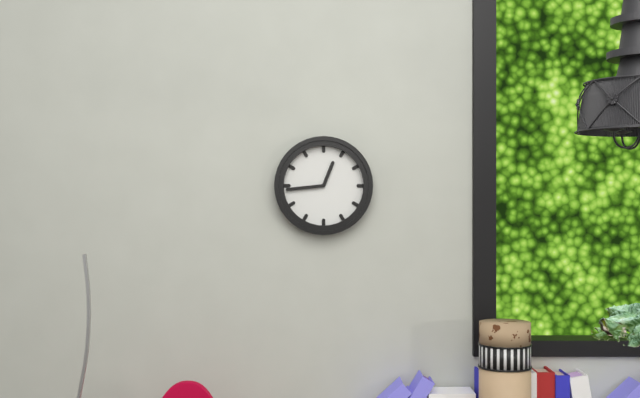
12:44
